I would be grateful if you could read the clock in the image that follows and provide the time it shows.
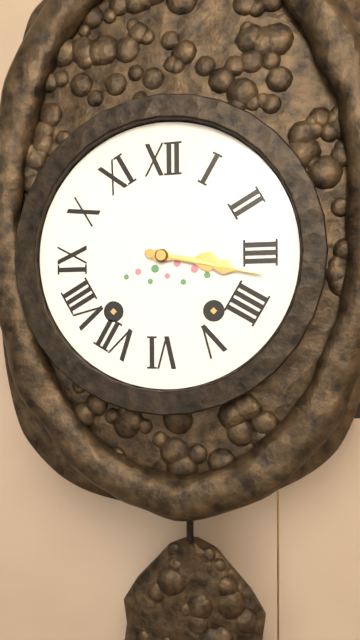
3:17
